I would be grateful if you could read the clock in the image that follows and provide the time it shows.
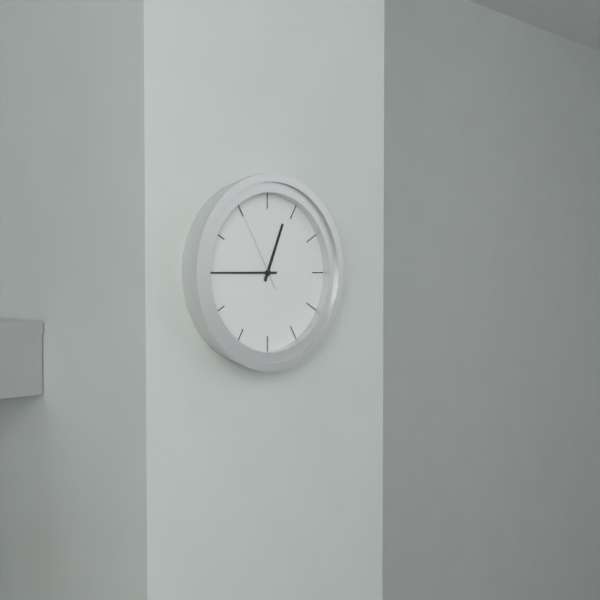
12:45:55
